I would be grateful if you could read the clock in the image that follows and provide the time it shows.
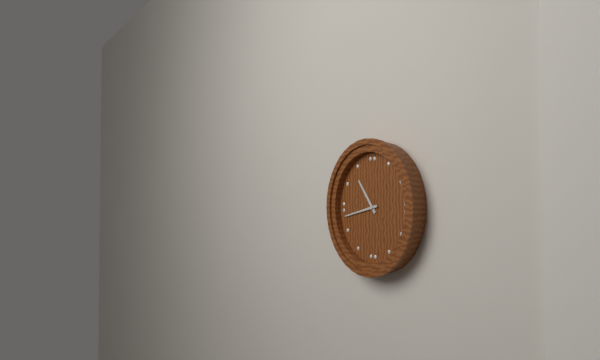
10:43
